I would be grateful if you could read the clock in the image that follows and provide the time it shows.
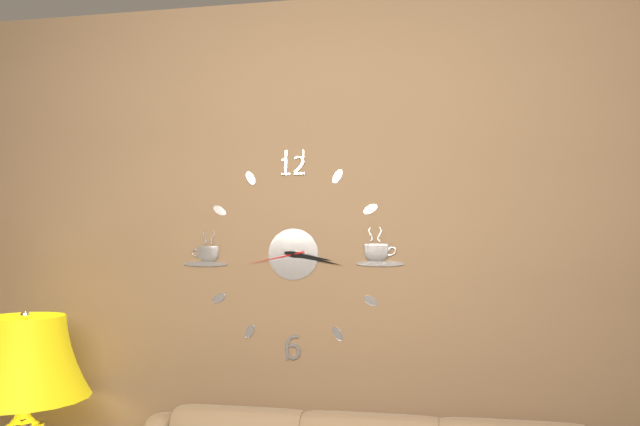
3:17:43
